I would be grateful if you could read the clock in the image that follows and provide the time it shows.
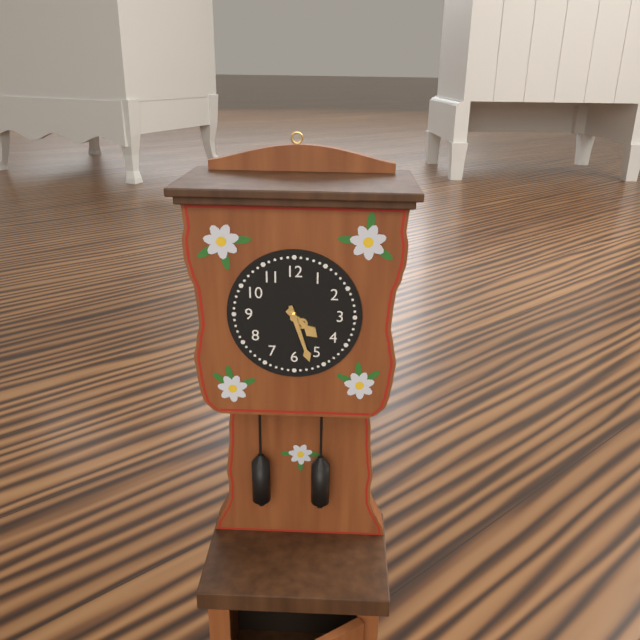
4:27
